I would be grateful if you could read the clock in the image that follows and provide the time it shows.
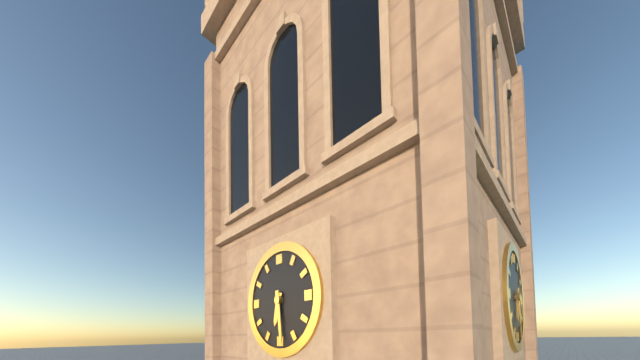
6:29
